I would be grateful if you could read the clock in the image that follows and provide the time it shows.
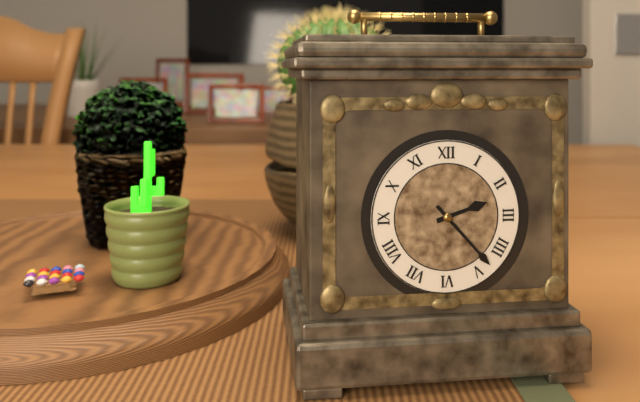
2:23
